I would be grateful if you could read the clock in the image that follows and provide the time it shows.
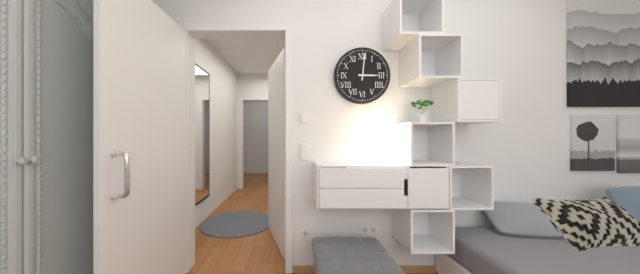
3:01
